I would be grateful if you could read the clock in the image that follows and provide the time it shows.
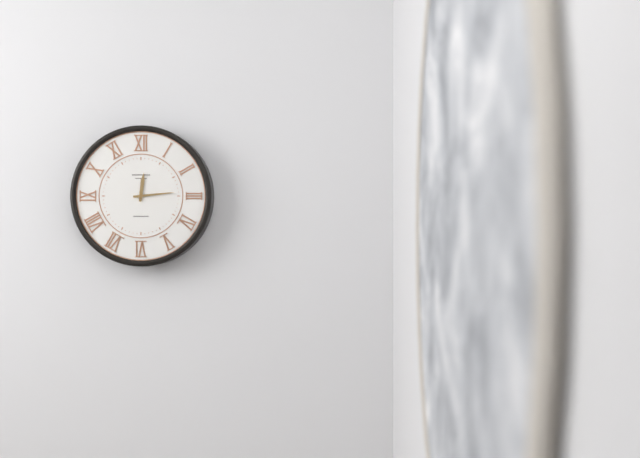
12:14
